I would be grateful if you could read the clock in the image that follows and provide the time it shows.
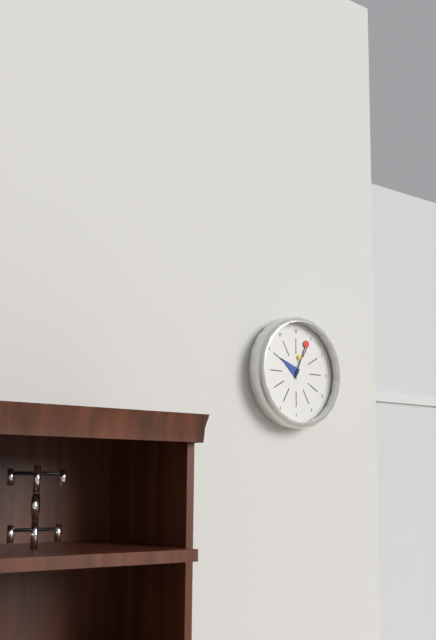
10:04
